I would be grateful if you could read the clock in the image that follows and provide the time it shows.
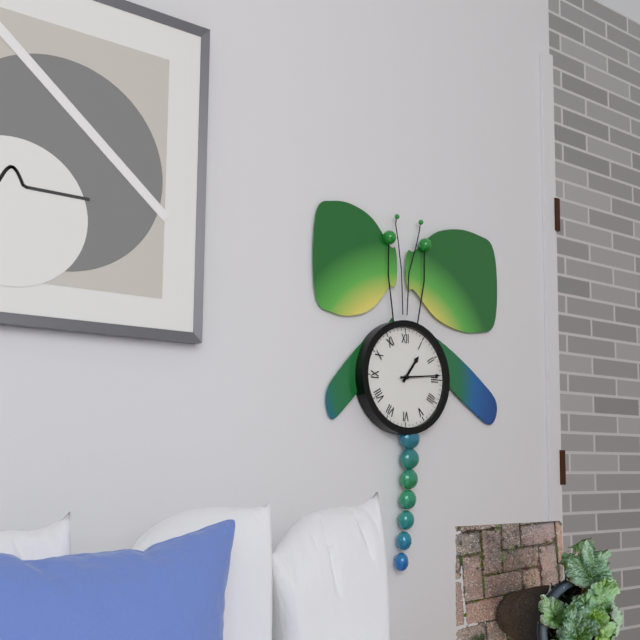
1:14
